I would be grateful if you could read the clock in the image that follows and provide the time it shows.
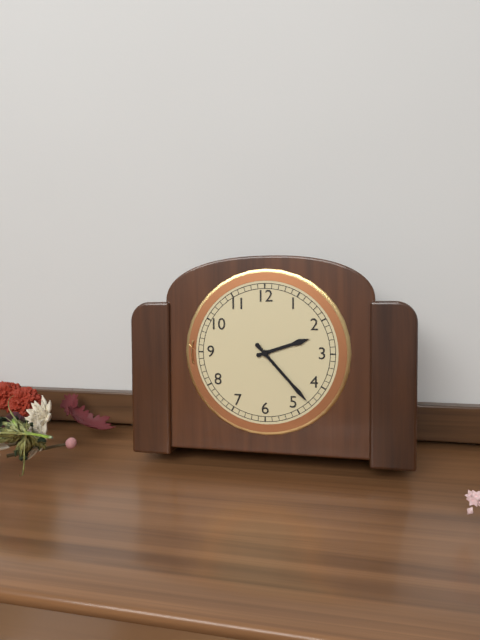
2:23
